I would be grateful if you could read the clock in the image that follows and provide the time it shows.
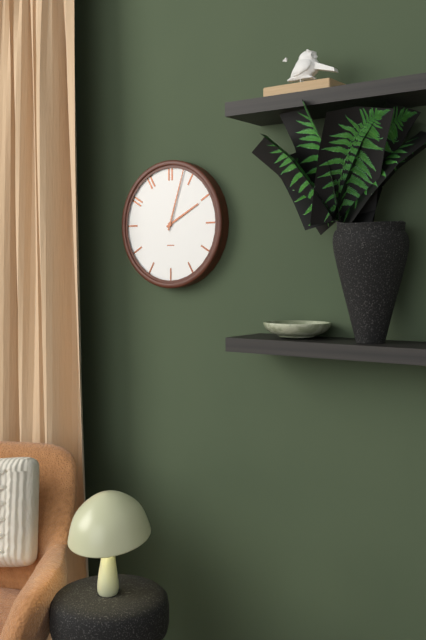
2:03
